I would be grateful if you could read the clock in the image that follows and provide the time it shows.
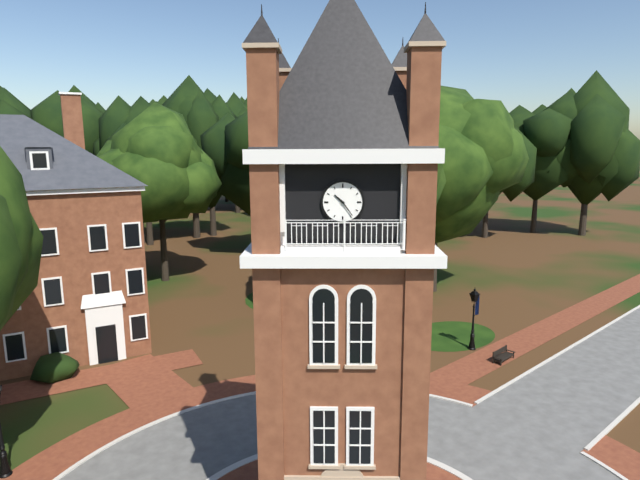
10:24
